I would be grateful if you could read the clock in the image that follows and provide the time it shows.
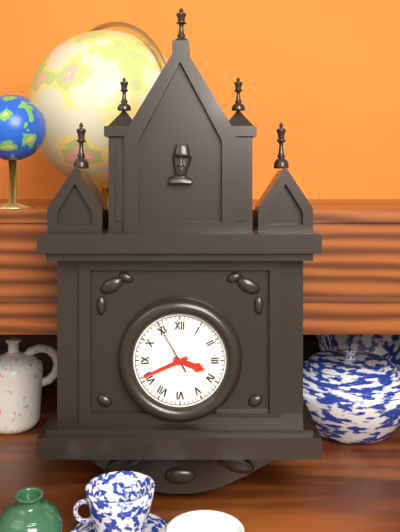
3:41
